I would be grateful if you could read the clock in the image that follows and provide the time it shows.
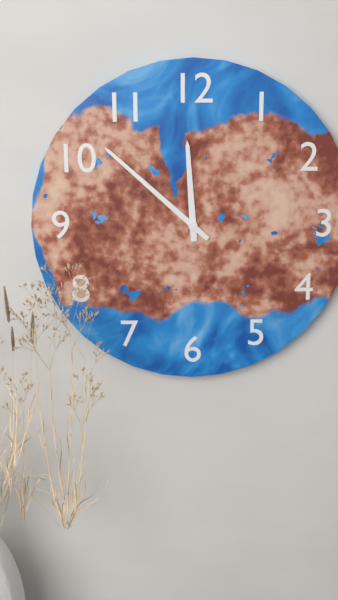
11:52
